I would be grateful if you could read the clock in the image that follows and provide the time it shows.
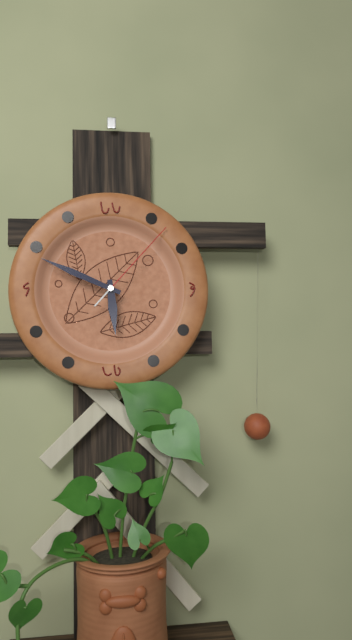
5:49:07
